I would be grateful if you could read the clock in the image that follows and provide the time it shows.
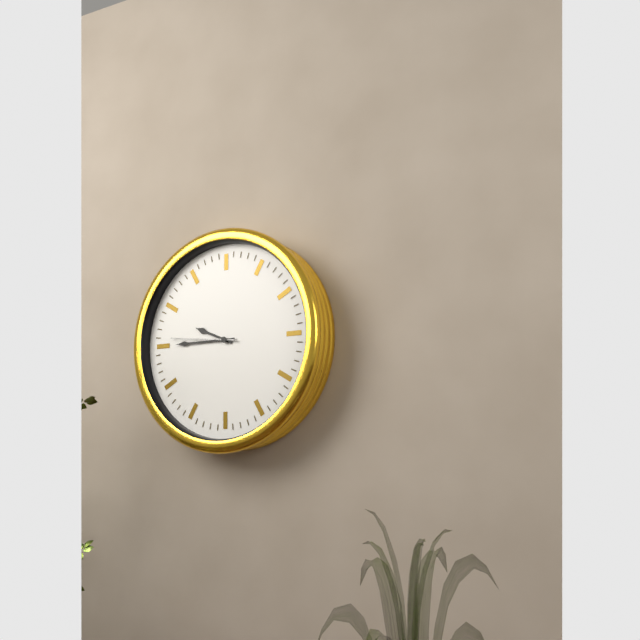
9:45:46
